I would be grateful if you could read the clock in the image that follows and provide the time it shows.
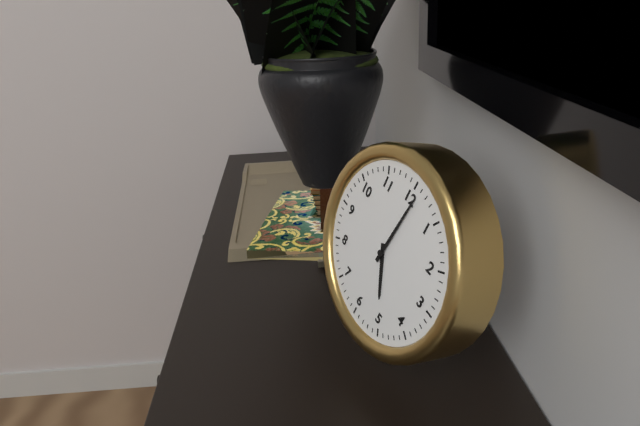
5:01
